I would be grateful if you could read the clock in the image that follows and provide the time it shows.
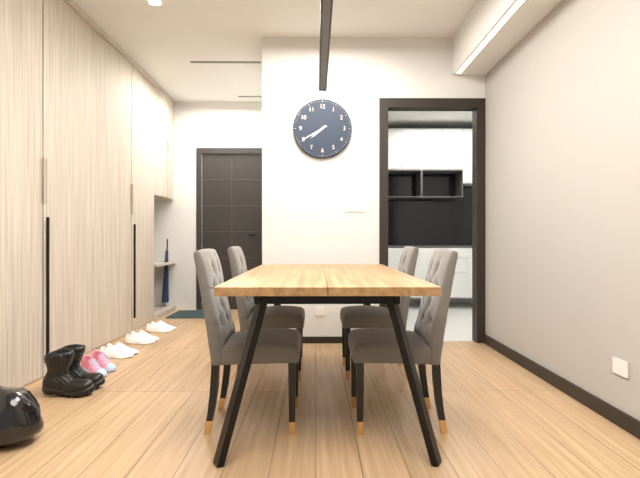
7:40
